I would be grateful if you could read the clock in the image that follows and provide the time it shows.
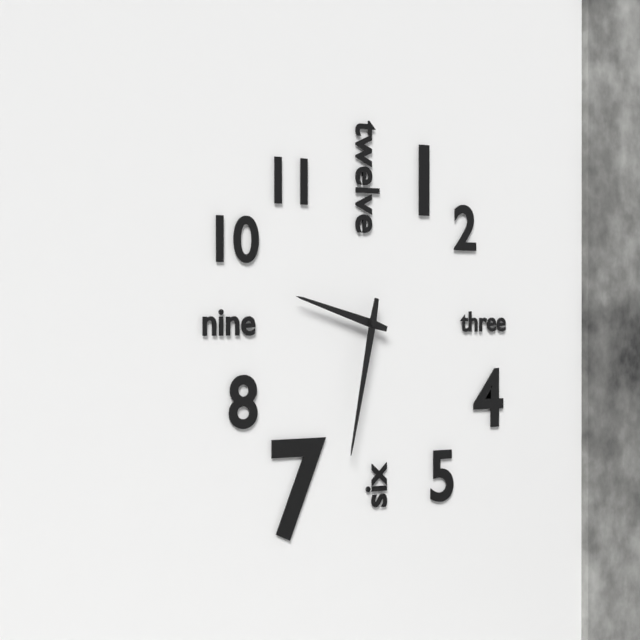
9:32
